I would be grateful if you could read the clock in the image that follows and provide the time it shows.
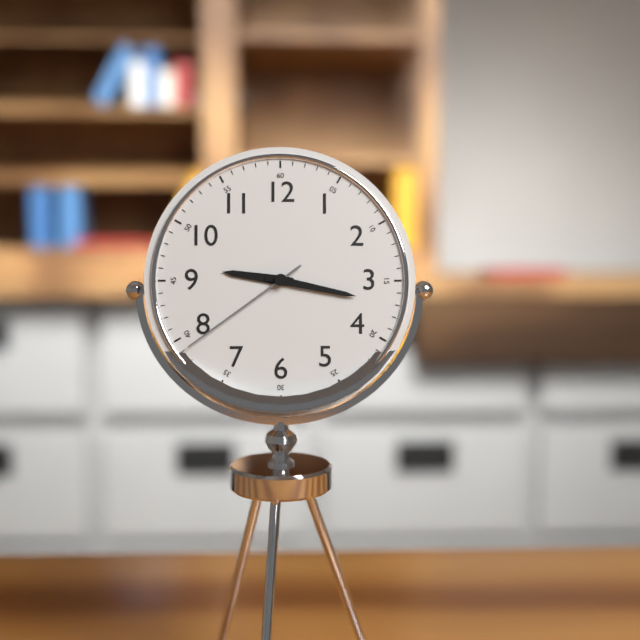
9:17:39
